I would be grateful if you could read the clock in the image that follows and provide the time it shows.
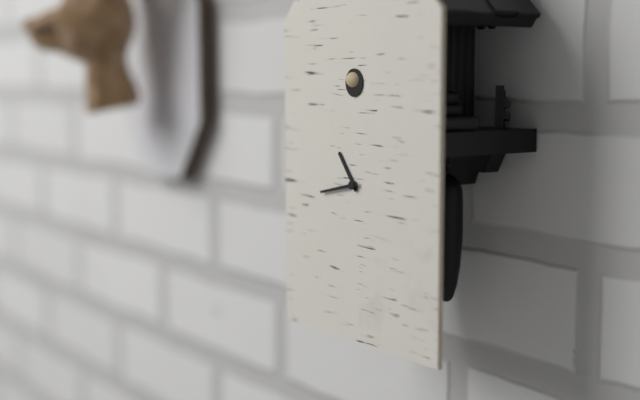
10:43
